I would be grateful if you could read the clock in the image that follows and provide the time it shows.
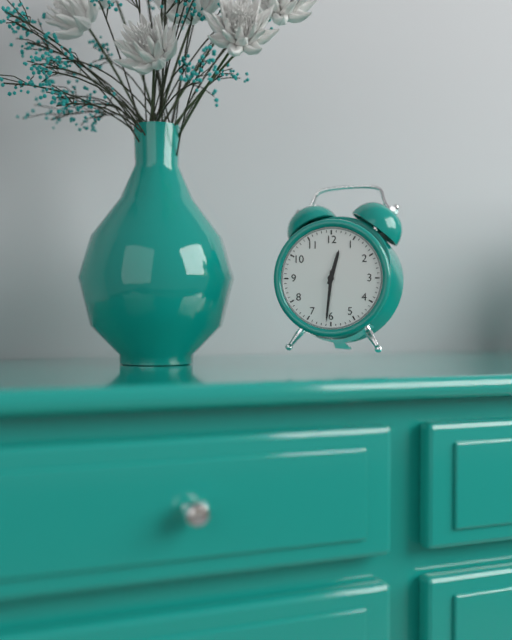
12:31
